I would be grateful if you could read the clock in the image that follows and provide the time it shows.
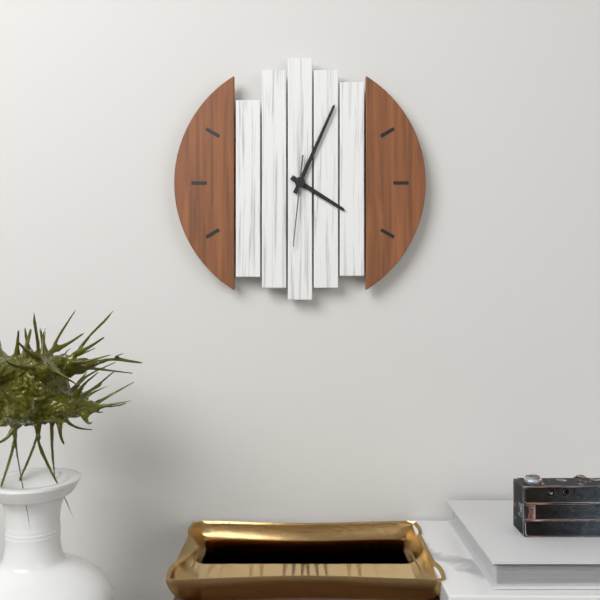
4:04:31
